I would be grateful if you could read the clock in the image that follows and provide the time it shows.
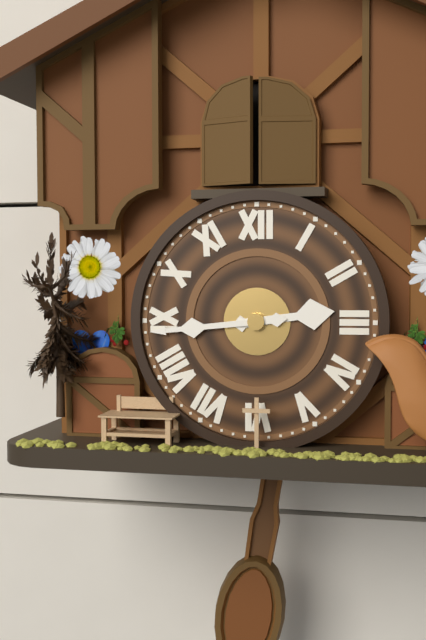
2:44
